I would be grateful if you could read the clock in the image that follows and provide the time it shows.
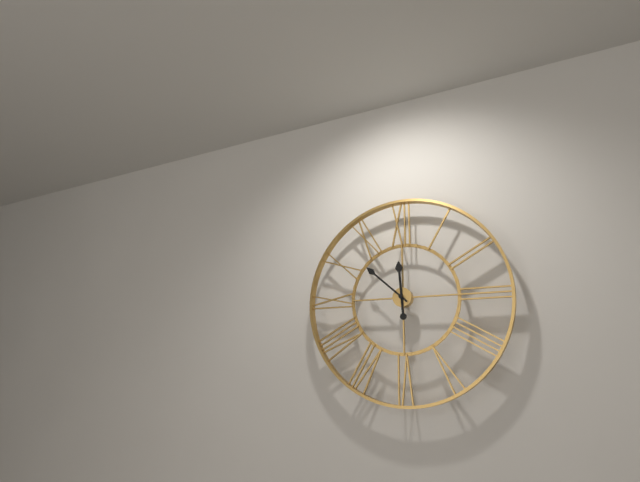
11:52
